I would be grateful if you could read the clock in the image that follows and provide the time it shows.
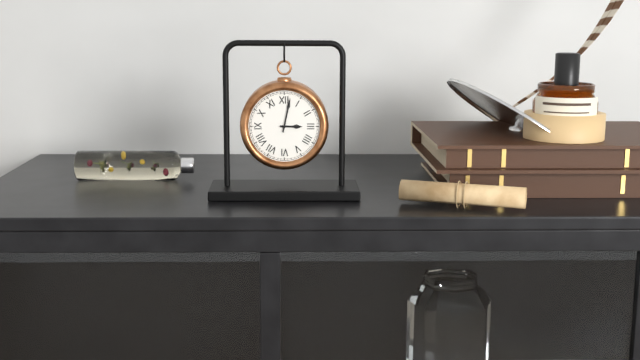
3:02
